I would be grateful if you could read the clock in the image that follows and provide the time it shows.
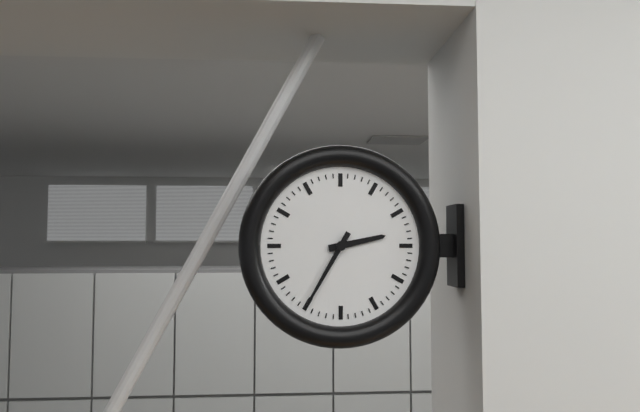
2:35
